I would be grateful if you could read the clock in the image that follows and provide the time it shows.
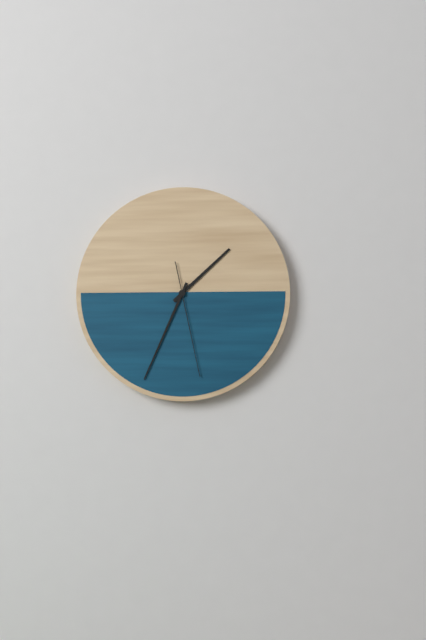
1:34:28
